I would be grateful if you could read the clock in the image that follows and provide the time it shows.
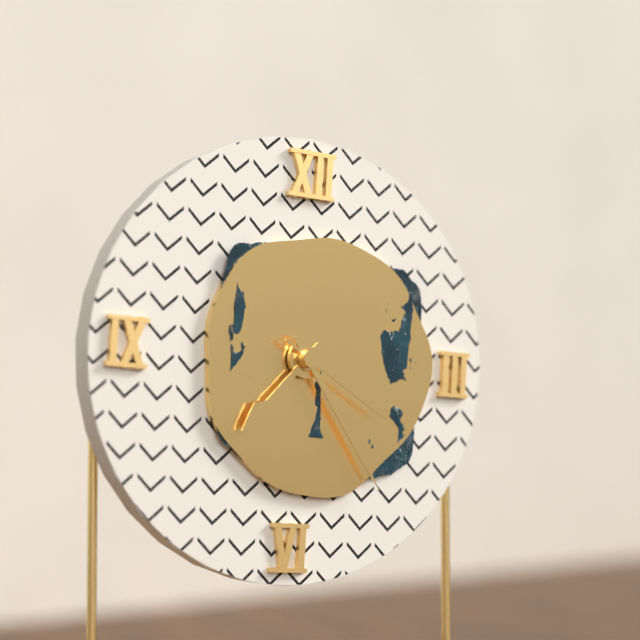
7:24:20
